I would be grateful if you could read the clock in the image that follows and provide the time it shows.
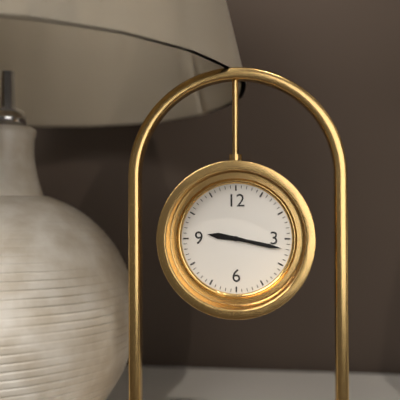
9:17
